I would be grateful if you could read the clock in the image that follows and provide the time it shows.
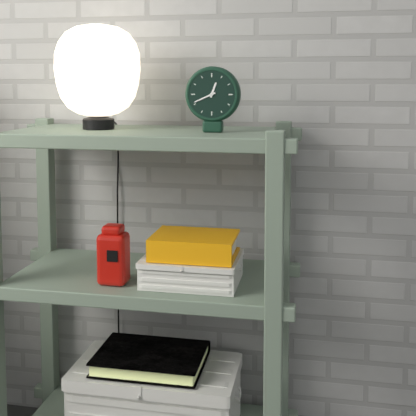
12:41
